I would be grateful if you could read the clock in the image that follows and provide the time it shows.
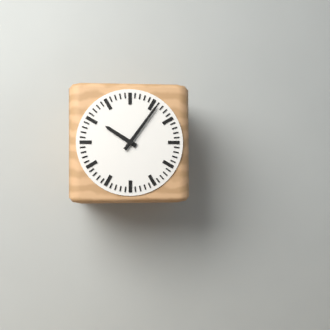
10:06
